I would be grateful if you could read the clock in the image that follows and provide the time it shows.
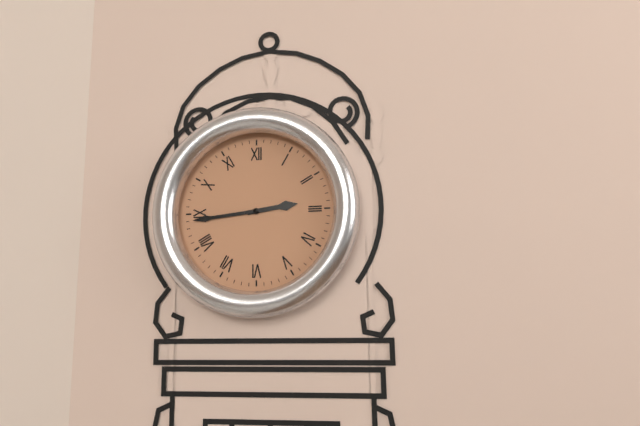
2:44
